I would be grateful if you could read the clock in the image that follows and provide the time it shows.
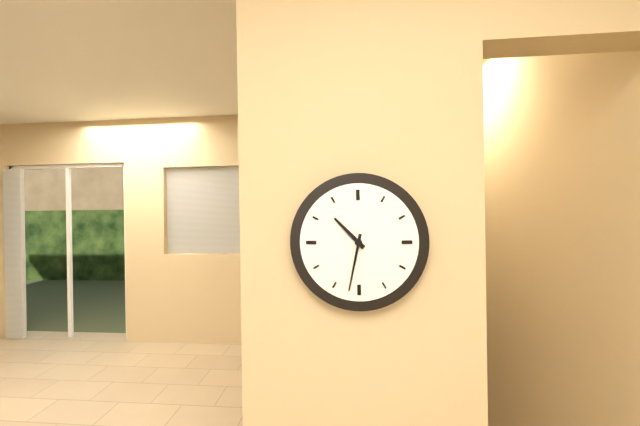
10:32
